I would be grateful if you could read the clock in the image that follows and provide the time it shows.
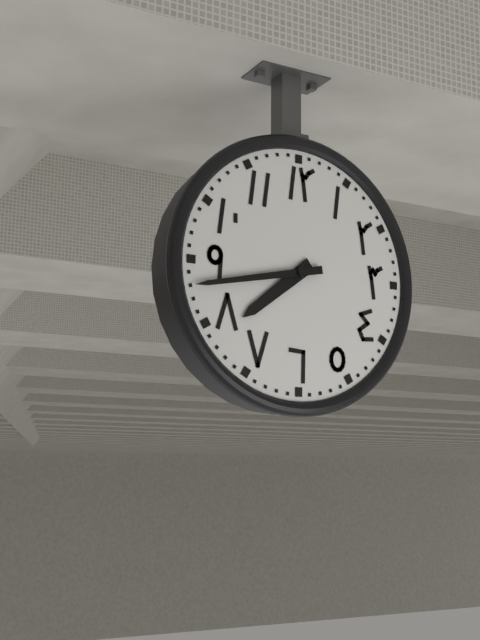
7:43
